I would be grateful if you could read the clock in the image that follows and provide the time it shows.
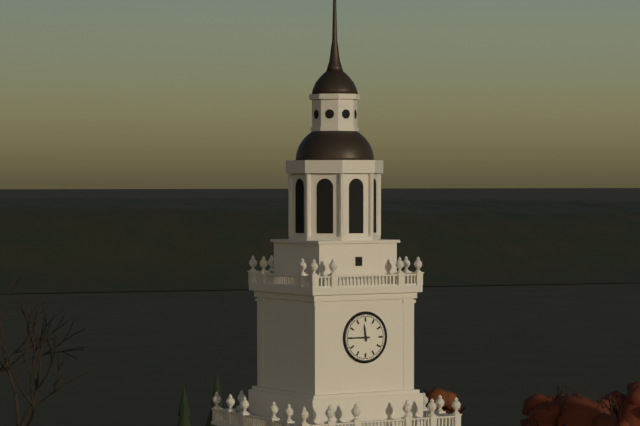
11:45
